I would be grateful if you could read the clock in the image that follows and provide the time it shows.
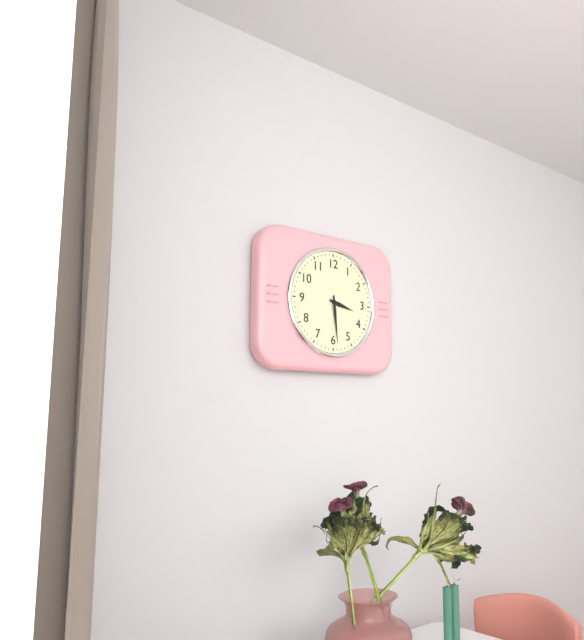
3:29
